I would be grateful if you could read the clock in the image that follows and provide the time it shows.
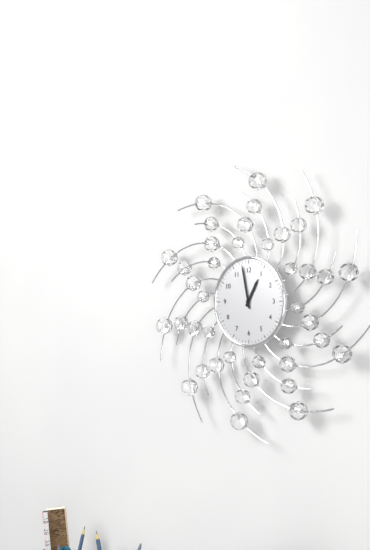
12:58
